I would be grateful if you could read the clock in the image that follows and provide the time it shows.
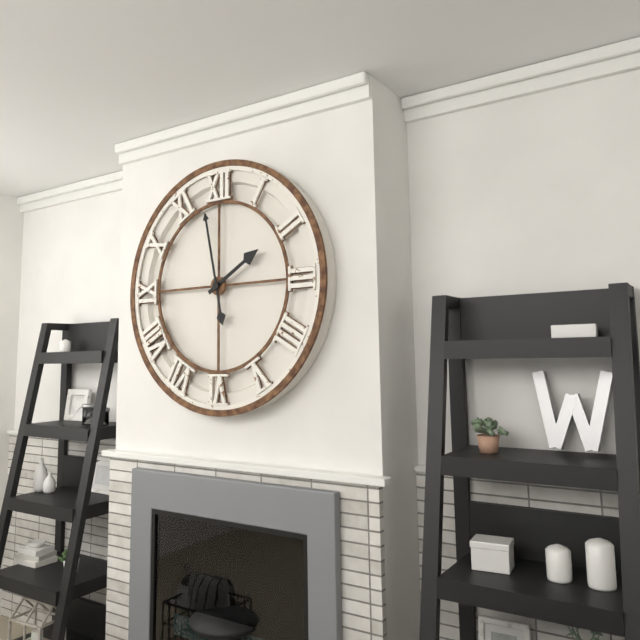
1:58
